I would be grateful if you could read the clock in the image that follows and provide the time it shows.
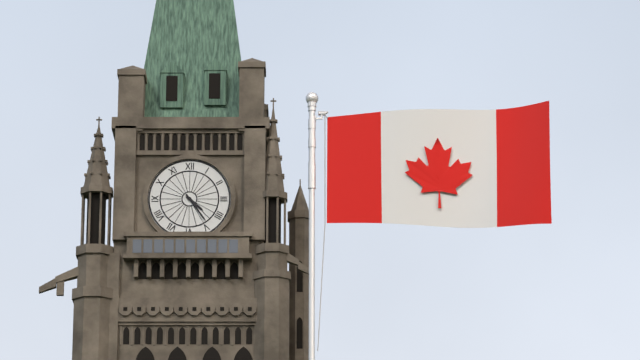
4:24
